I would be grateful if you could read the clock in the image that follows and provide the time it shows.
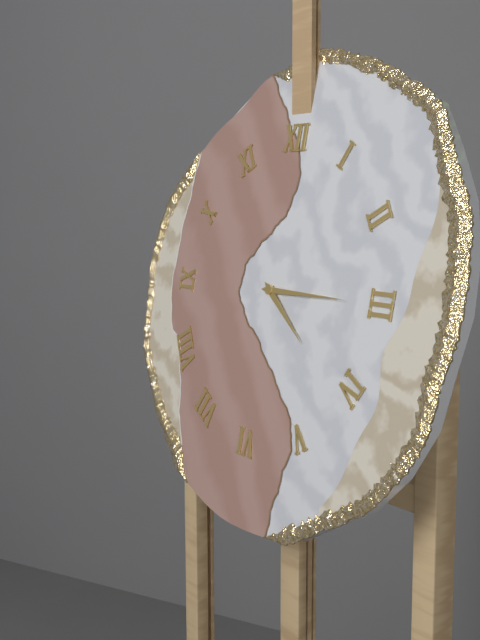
4:15
